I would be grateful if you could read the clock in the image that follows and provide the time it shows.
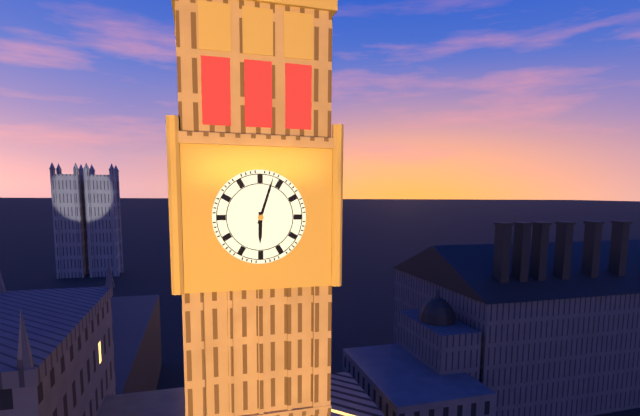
6:03
